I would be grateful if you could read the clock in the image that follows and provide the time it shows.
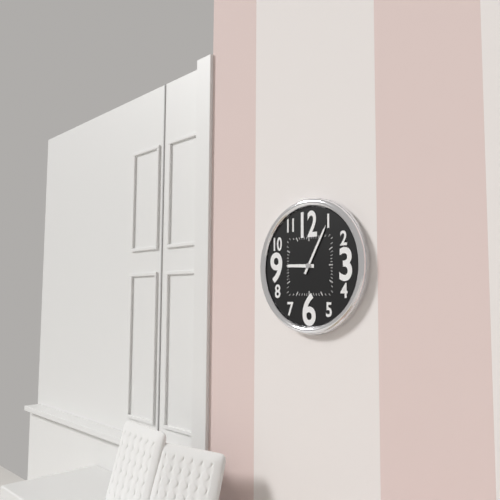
9:05
